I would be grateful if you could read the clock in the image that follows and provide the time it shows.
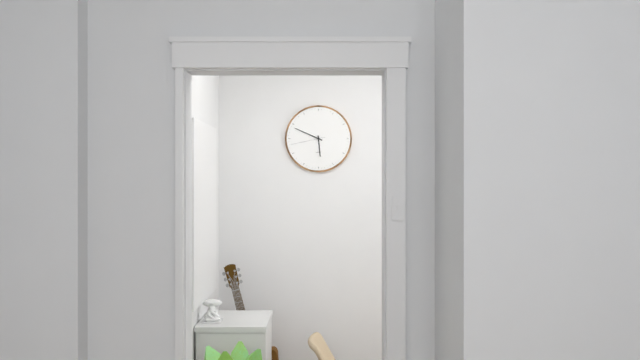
5:49
